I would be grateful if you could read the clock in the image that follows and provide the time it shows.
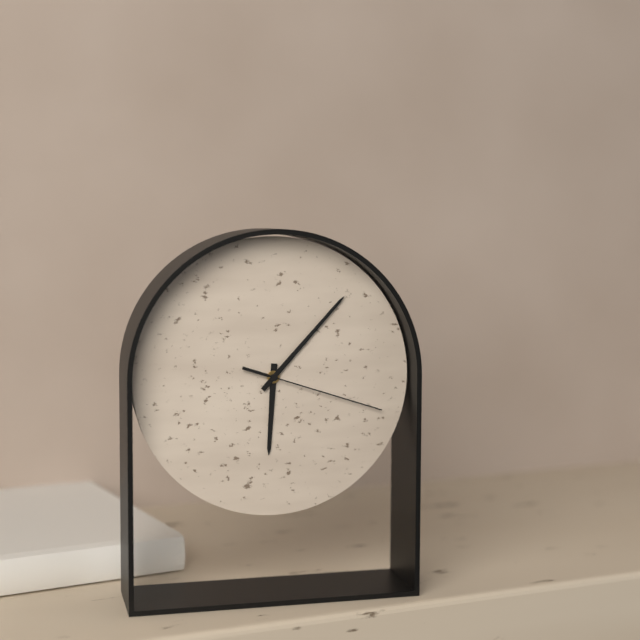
6:07:18
